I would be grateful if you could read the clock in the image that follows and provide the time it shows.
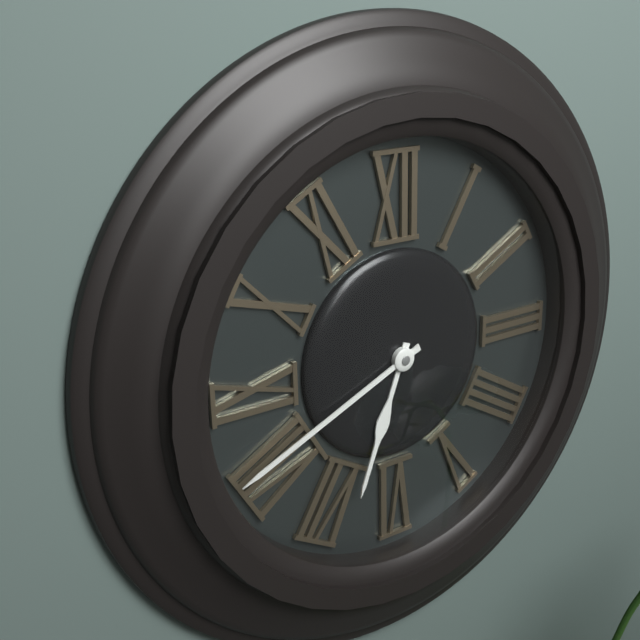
6:41
